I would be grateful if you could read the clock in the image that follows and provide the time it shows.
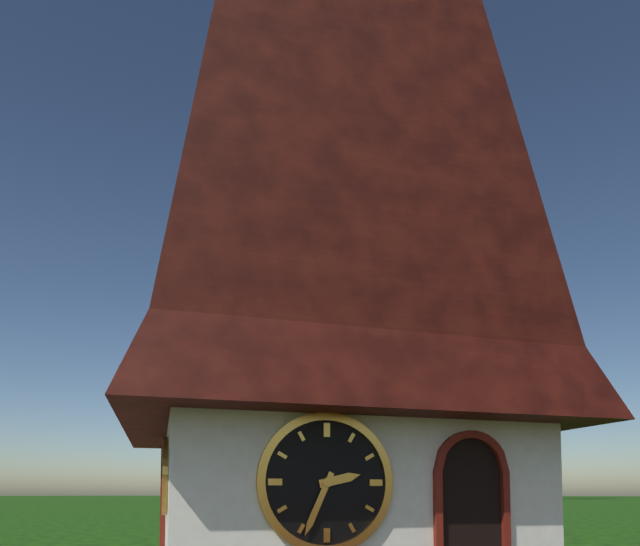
2:34
